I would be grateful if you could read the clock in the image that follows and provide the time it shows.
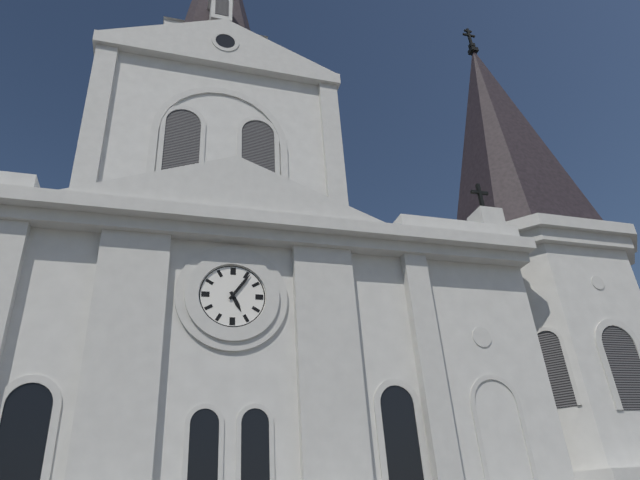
5:06
